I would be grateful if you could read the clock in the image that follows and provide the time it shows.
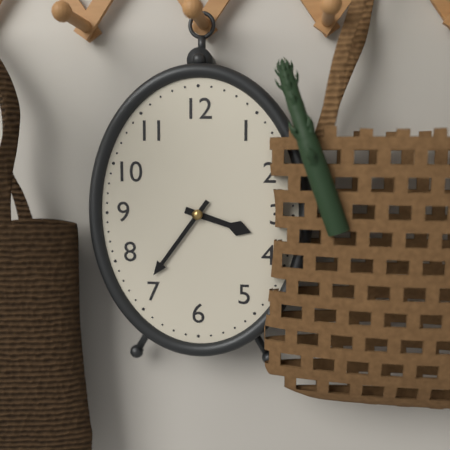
3:36
